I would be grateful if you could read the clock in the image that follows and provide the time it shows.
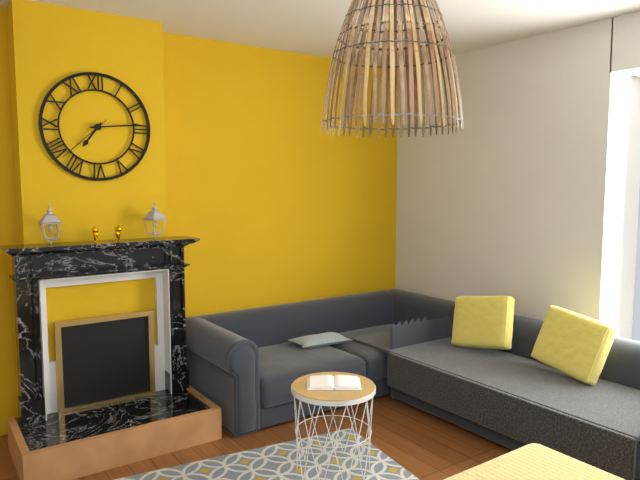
7:14:38
